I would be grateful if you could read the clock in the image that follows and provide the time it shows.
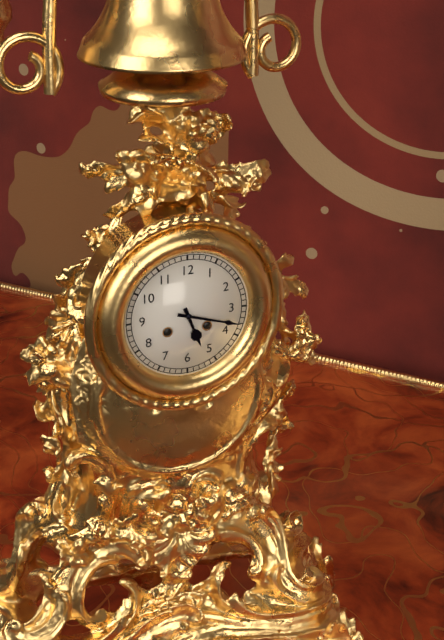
5:18
